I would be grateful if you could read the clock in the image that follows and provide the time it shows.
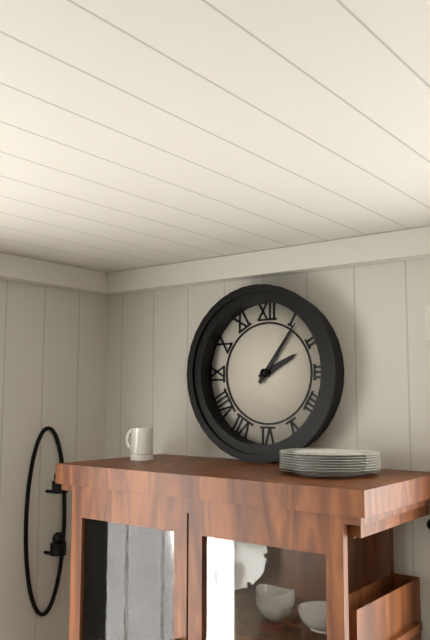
2:06
